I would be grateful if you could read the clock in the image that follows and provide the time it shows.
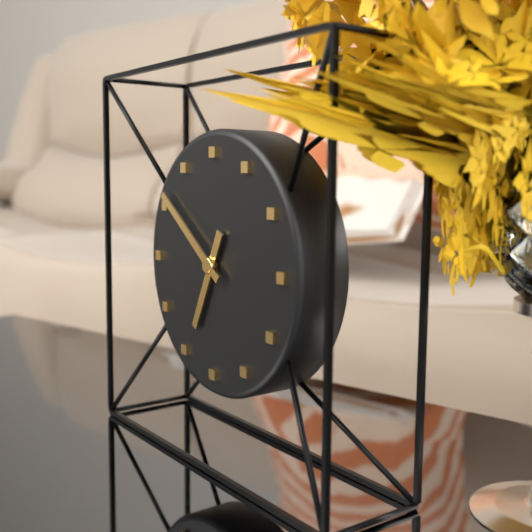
6:51
